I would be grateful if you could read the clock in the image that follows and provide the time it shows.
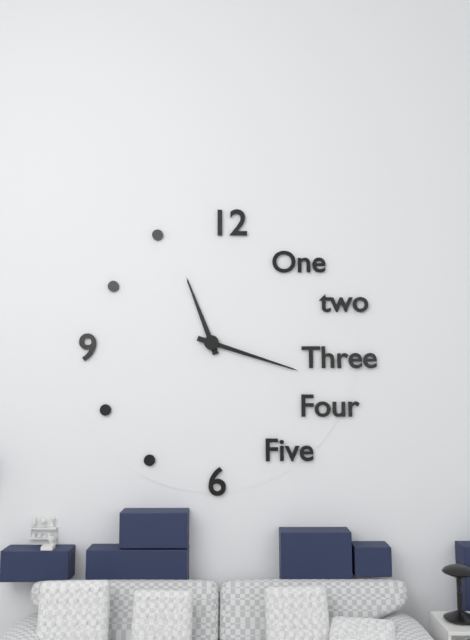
11:18
